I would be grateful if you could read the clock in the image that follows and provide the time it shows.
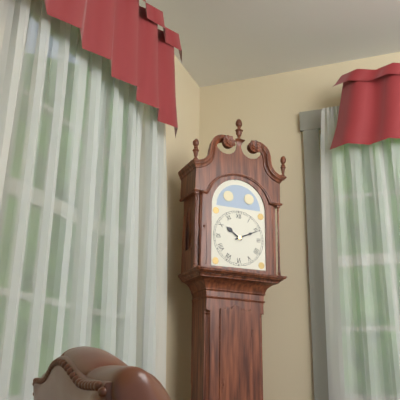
10:11
